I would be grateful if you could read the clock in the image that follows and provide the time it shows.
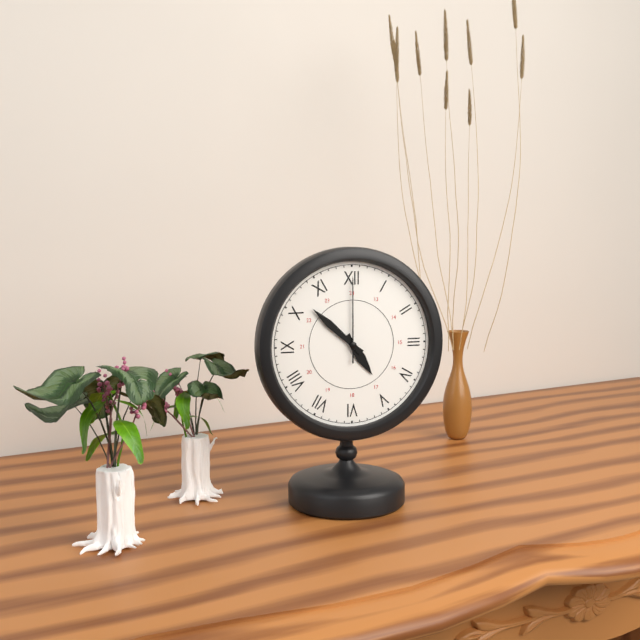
4:52:00
